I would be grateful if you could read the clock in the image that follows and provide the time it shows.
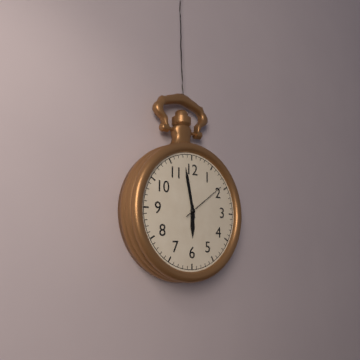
5:58
